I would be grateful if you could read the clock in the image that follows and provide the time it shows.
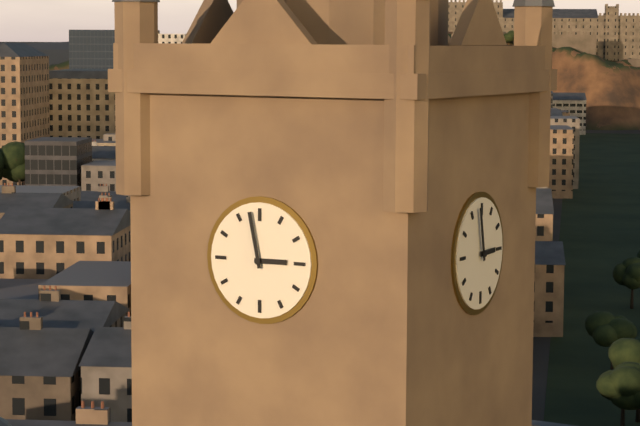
2:58
